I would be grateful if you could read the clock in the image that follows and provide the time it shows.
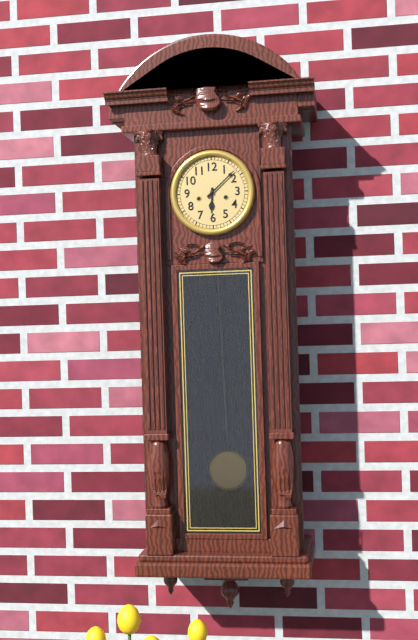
6:08
